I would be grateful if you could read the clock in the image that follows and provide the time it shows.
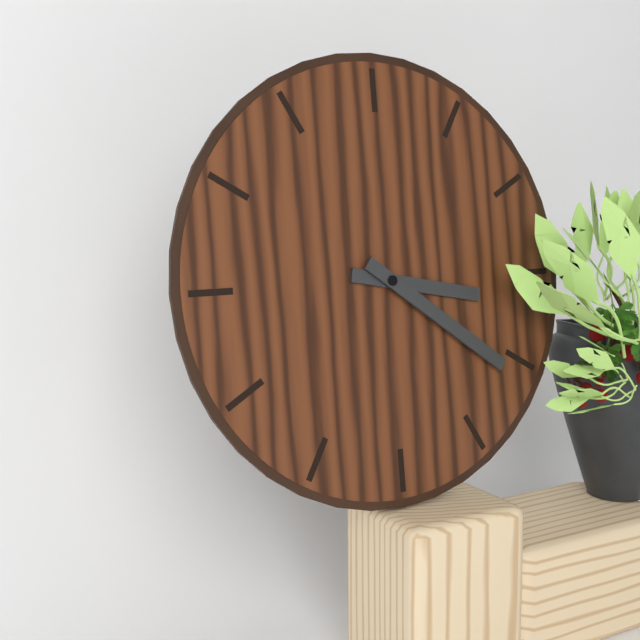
3:21
